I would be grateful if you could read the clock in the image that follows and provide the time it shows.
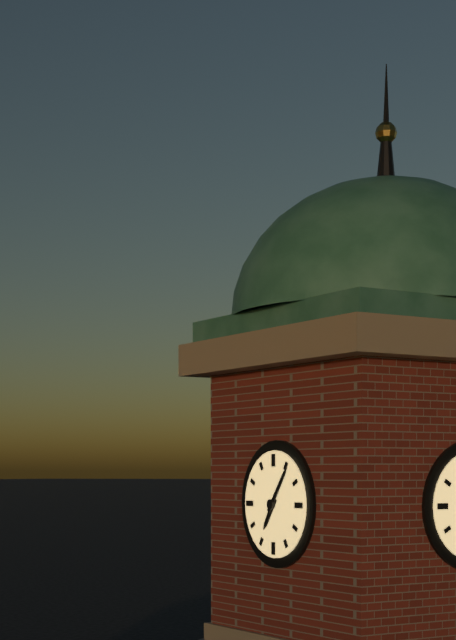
7:06
